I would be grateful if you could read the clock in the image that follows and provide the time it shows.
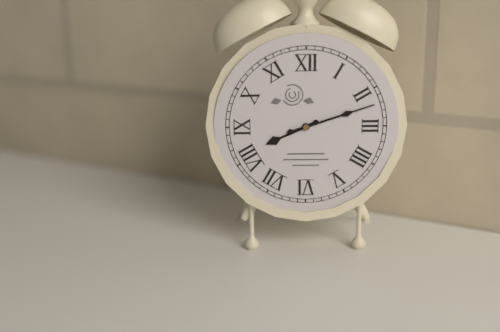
8:12
